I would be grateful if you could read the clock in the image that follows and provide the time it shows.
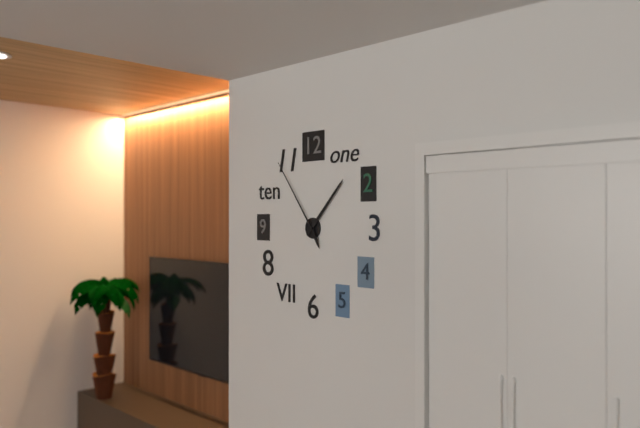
5:07:54
